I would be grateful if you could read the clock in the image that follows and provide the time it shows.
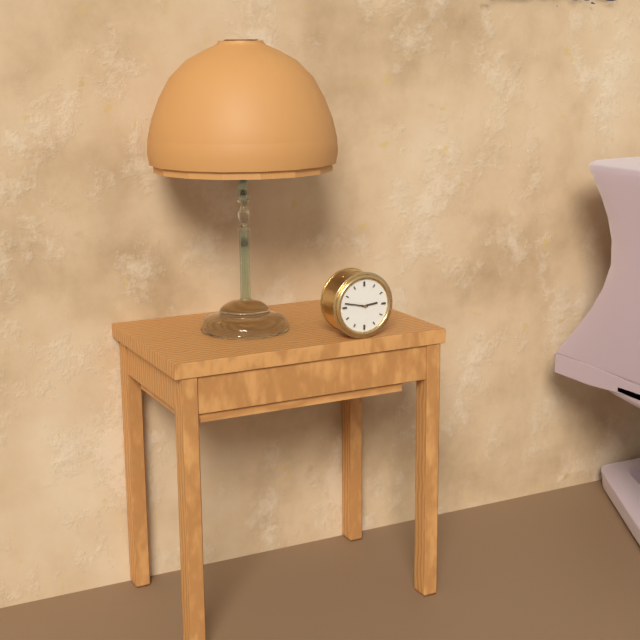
2:47
